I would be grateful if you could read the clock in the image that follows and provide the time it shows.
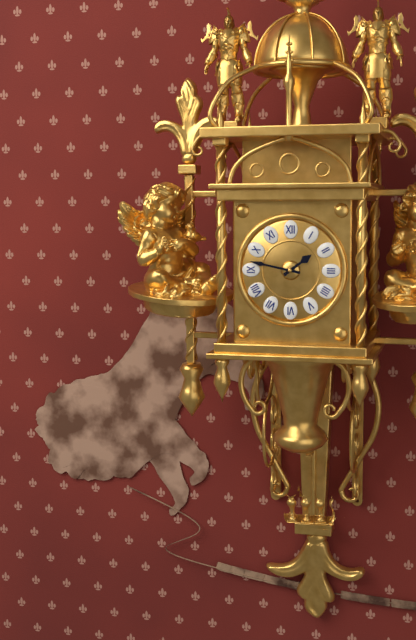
1:47
